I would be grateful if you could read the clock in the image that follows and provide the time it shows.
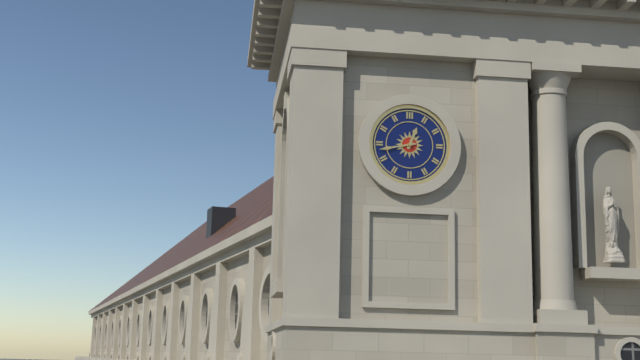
12:43
